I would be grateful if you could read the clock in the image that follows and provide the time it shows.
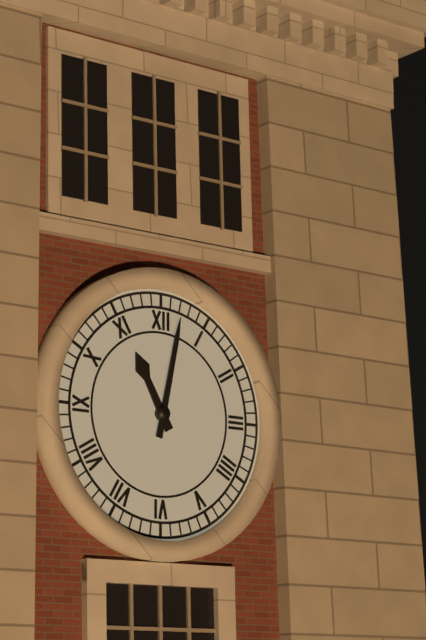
11:02
